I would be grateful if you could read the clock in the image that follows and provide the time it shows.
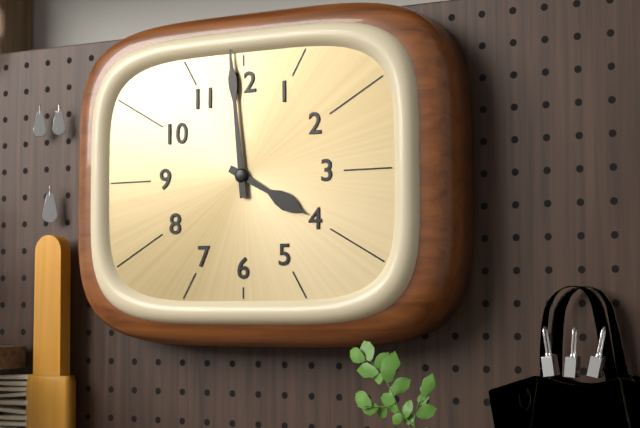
3:59
